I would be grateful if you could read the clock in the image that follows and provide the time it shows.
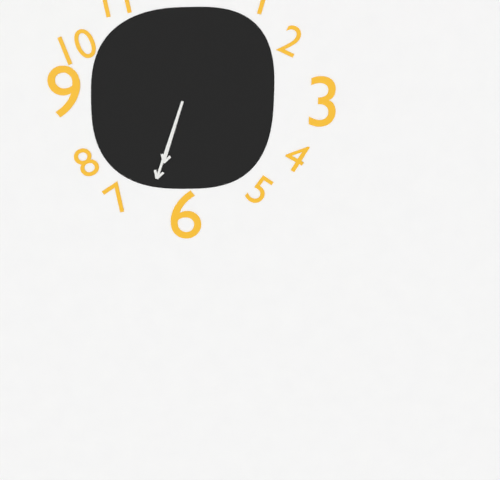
6:33
